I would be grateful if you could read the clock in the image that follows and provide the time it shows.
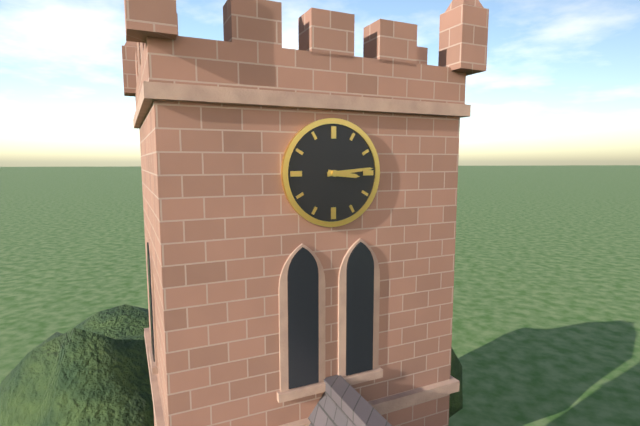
3:14
